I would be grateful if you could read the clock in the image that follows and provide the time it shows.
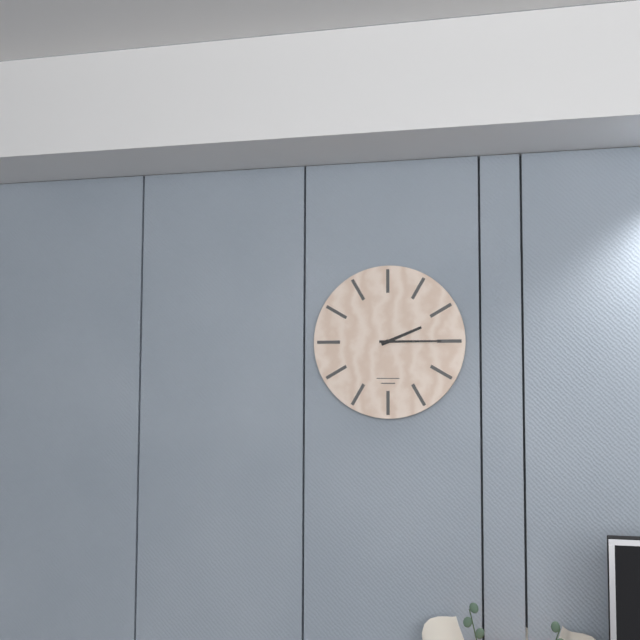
2:15
